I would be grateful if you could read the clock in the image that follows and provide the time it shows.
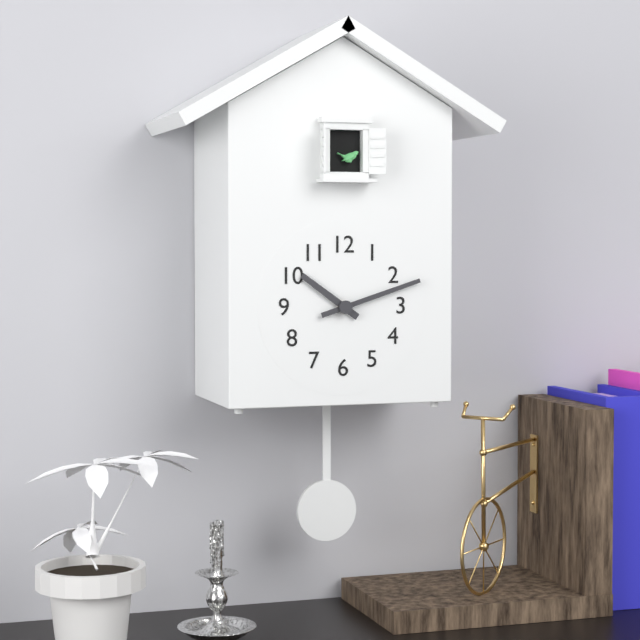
10:12
